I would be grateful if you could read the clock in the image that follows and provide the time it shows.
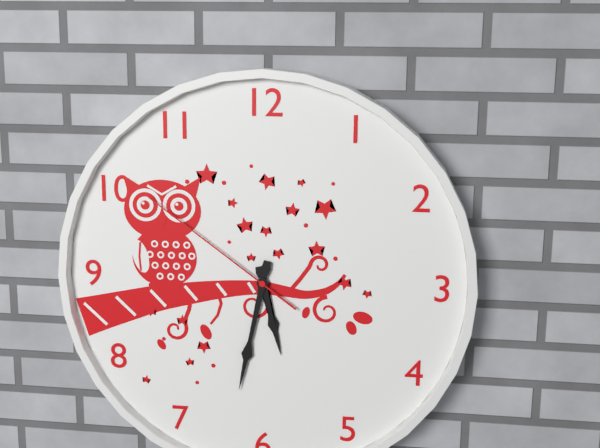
5:32:51
